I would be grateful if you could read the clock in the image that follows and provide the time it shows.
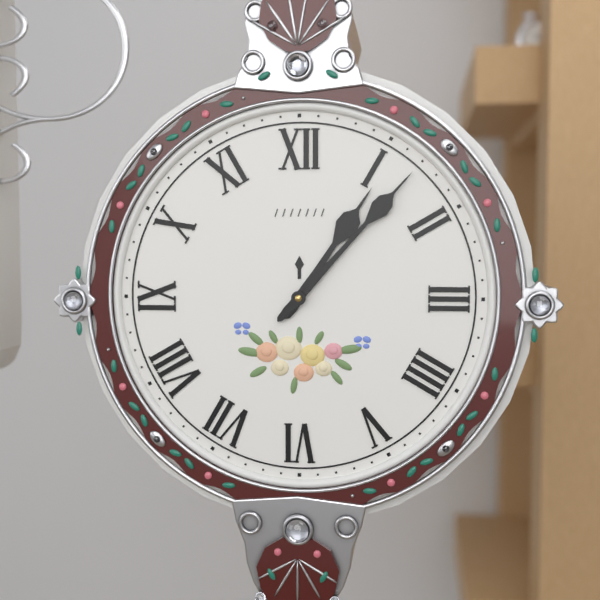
1:07
